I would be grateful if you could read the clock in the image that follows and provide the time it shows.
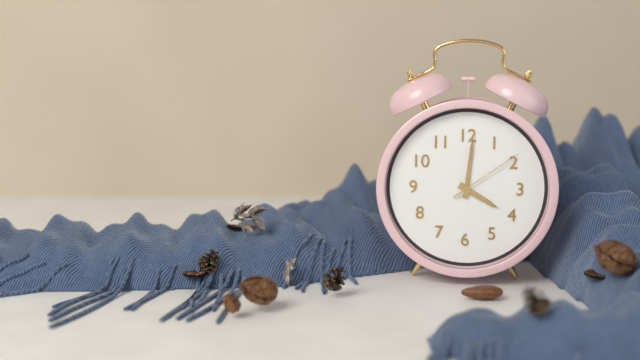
4:01:09
